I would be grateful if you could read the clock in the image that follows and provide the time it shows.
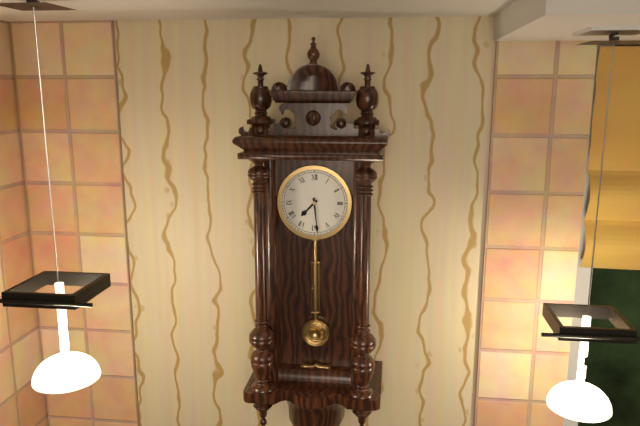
7:29
